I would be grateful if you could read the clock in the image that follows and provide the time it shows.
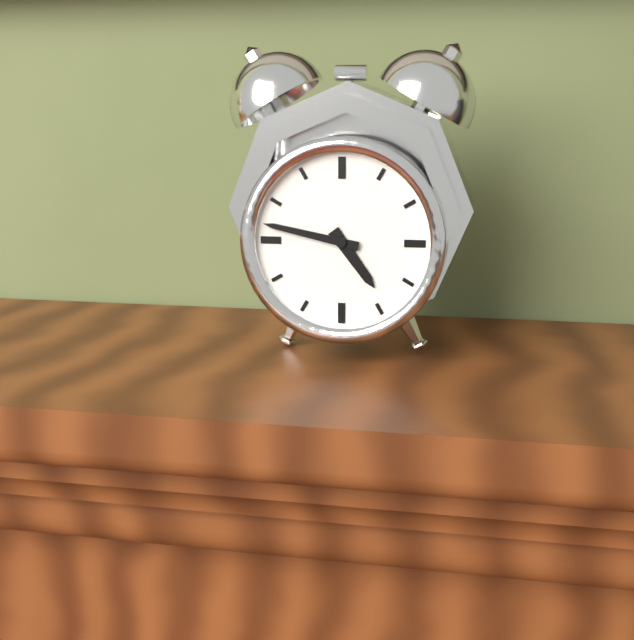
4:47
